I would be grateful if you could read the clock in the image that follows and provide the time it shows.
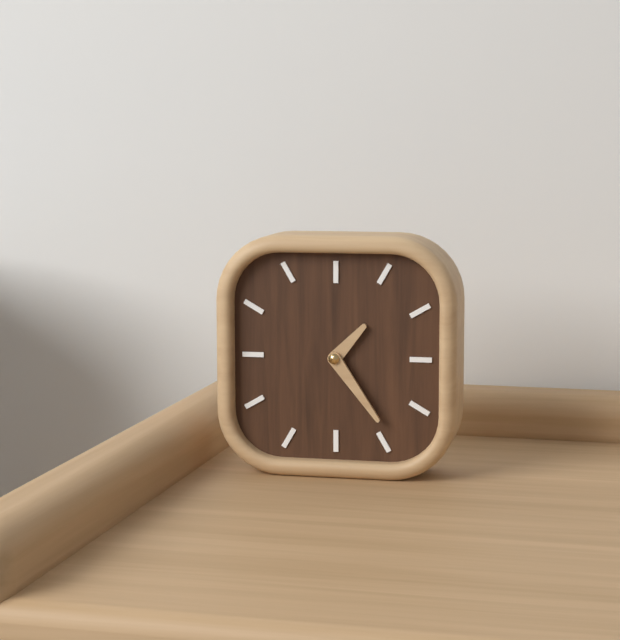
1:24
